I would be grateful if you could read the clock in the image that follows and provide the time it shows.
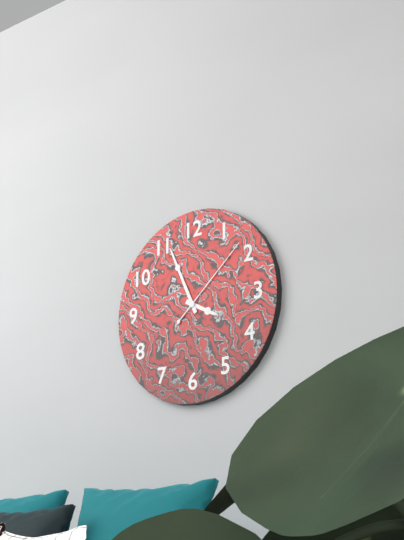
3:56:08
